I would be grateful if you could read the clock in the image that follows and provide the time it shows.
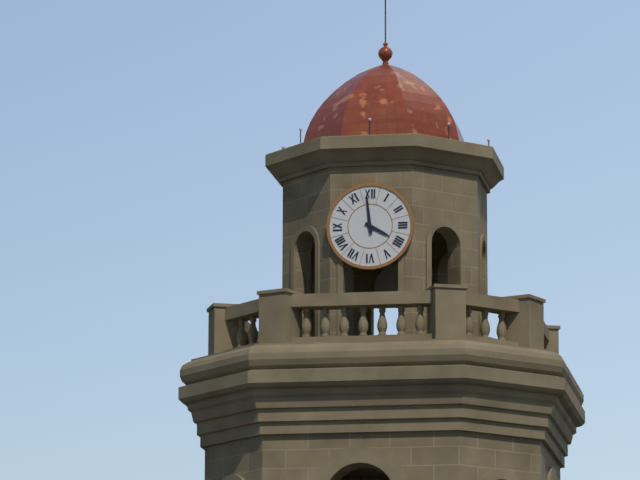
3:59
